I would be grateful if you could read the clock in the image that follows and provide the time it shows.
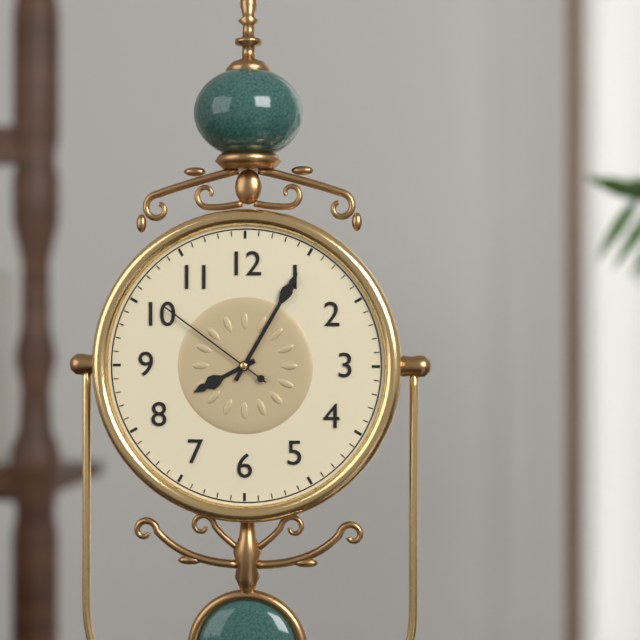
8:05:51
